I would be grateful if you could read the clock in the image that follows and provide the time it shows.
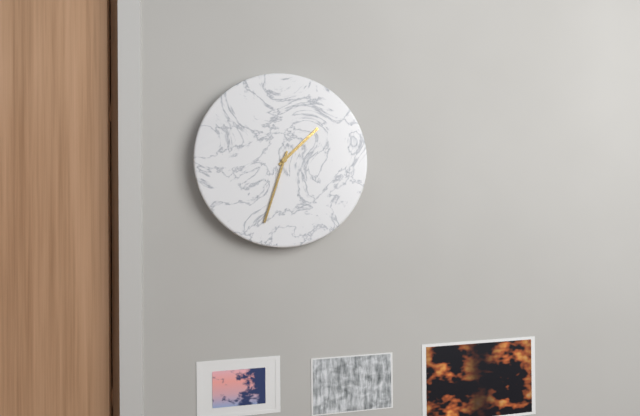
1:33
